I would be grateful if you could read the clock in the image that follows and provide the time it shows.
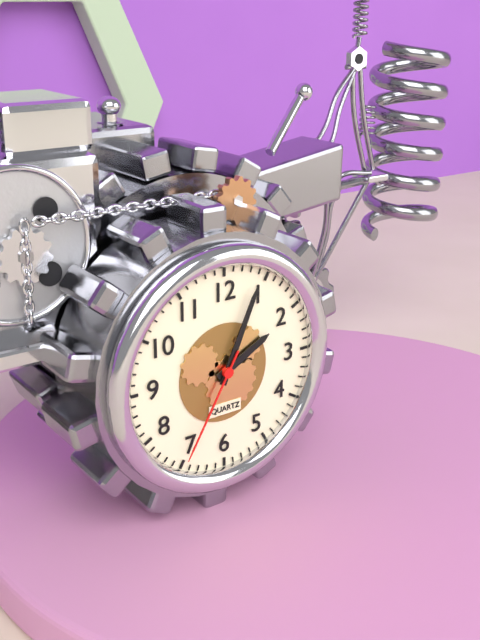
2:04:35
